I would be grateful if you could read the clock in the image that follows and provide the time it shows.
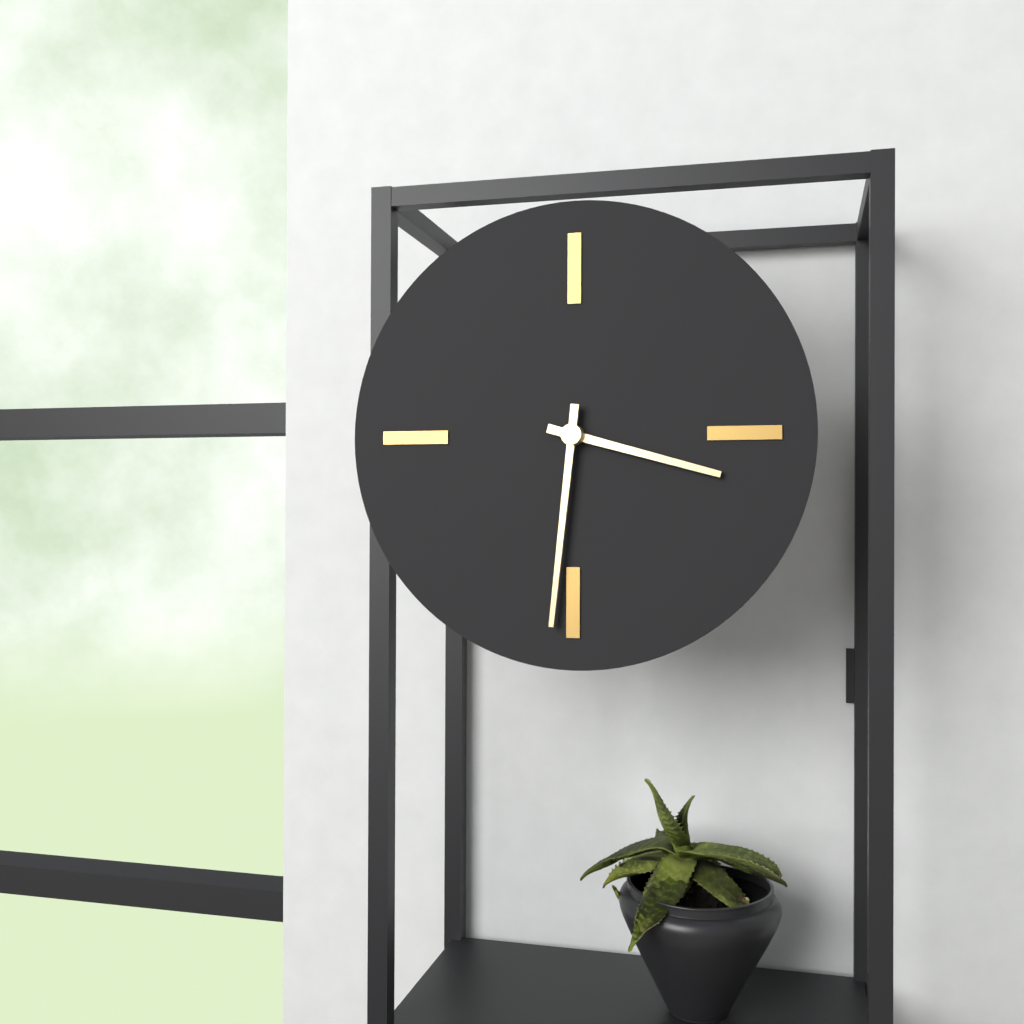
3:31
